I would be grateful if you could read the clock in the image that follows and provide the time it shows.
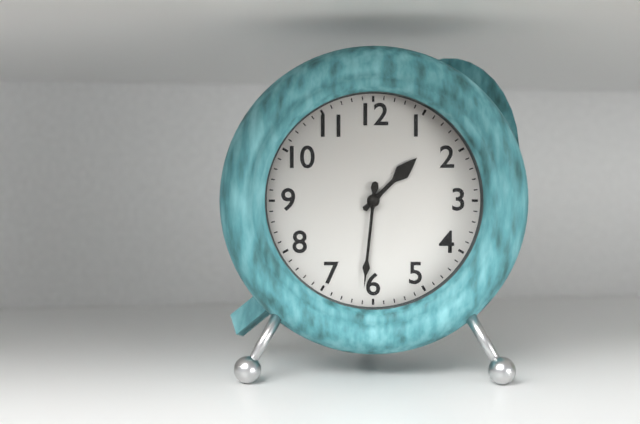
1:31
